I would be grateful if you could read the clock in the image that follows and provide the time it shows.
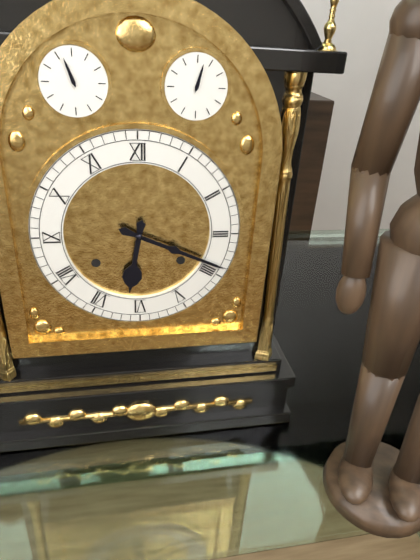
6:19
